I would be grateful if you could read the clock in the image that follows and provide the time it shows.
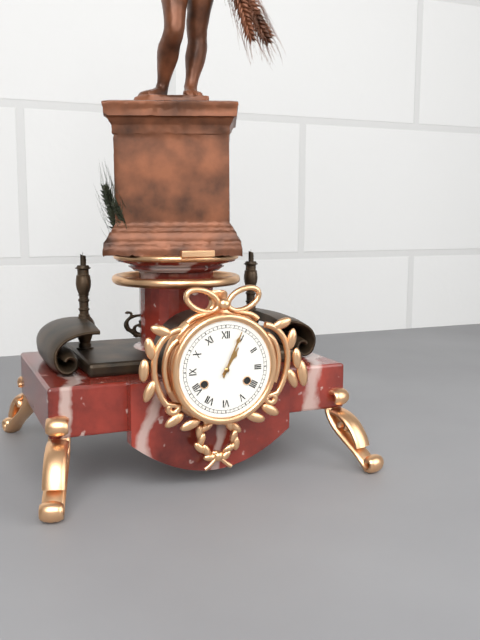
1:04
